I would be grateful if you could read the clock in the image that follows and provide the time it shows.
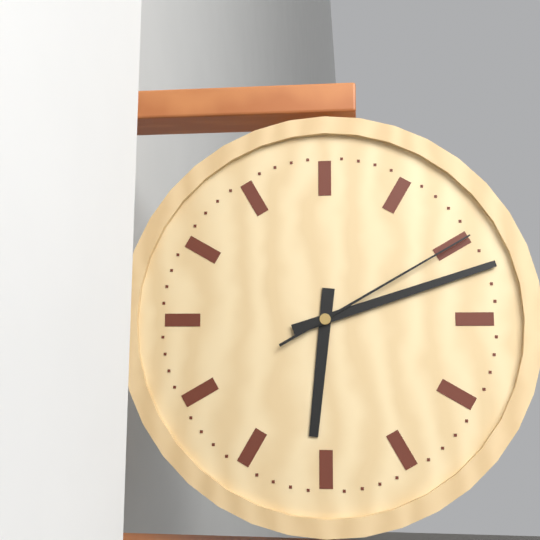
6:12:10
